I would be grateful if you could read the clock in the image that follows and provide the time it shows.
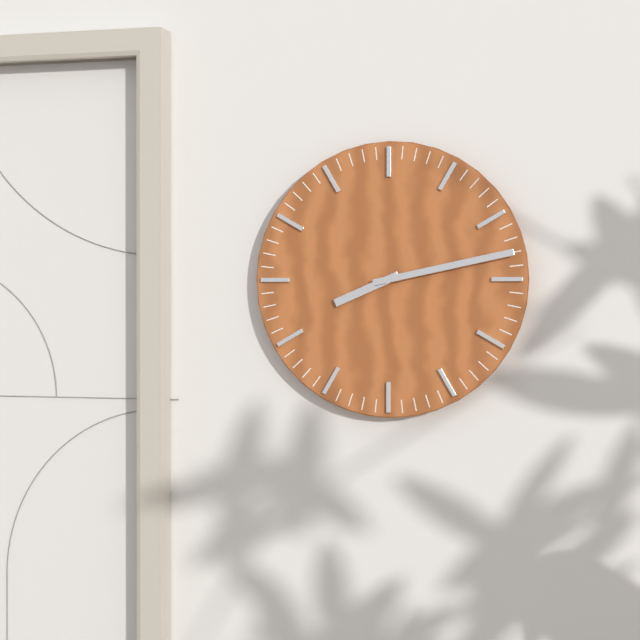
8:13
